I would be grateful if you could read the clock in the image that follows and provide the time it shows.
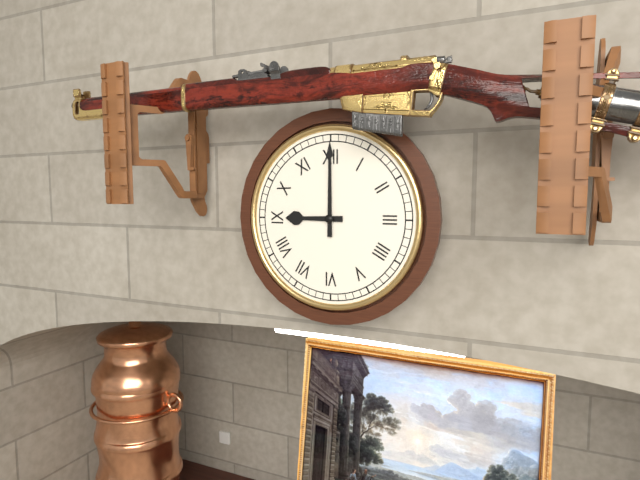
9:00
